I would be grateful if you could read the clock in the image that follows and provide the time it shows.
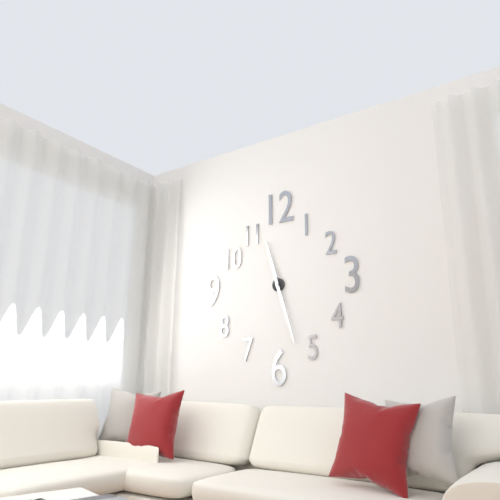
11:27
